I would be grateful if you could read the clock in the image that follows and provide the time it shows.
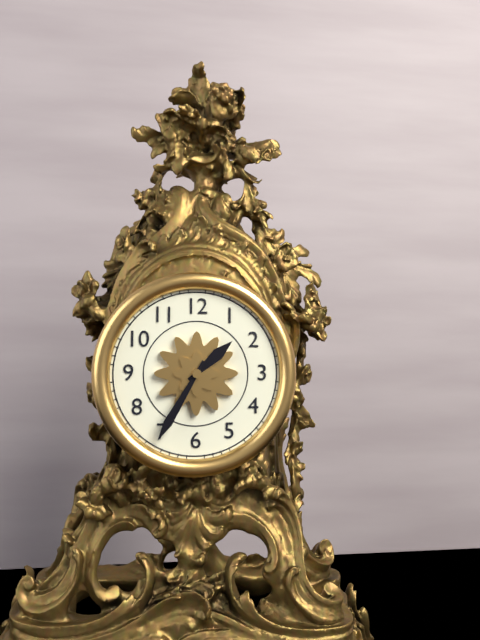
1:35
